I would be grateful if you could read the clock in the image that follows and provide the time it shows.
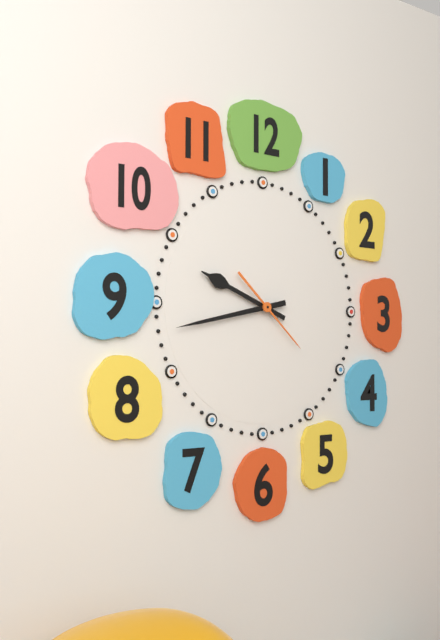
9:43:22
